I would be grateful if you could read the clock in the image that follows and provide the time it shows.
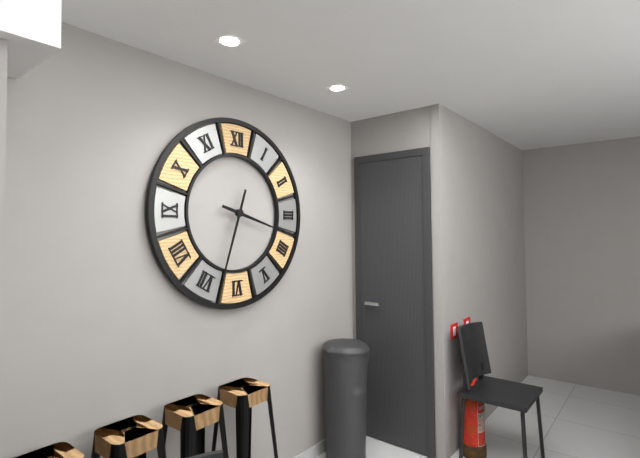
3:33
